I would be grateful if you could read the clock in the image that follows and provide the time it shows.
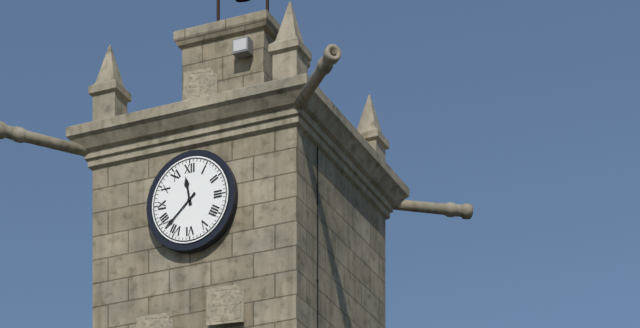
11:38
